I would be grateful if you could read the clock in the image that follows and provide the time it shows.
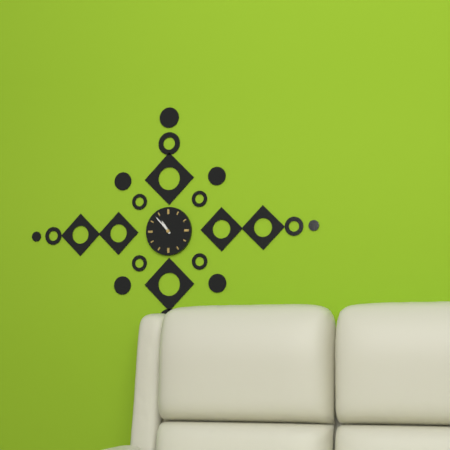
10:53
